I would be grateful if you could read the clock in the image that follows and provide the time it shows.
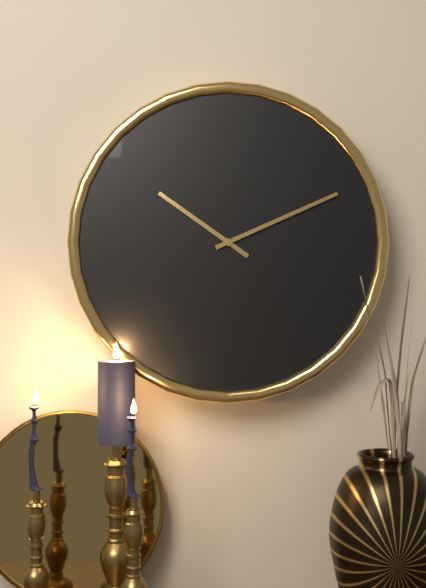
10:11
